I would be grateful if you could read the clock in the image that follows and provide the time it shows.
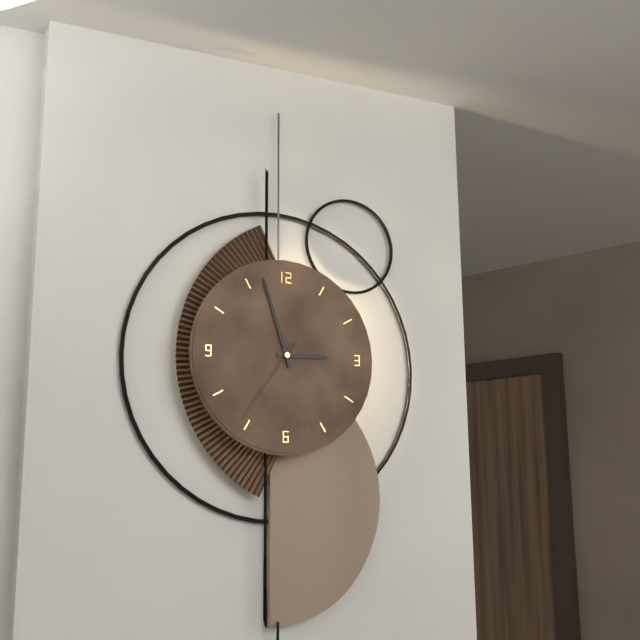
2:57:36
